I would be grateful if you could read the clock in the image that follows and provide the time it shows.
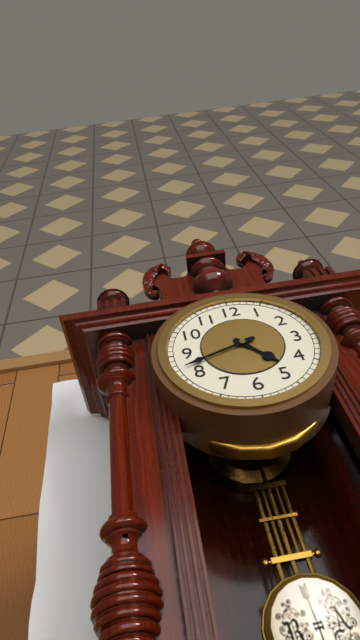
4:42
